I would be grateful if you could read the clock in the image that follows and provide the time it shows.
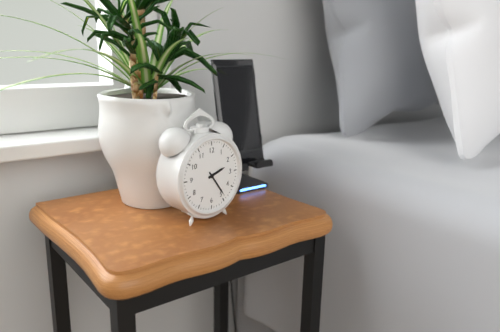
2:24
